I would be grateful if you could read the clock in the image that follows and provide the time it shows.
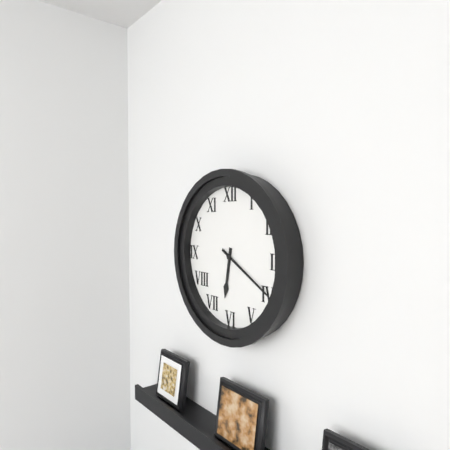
6:20
